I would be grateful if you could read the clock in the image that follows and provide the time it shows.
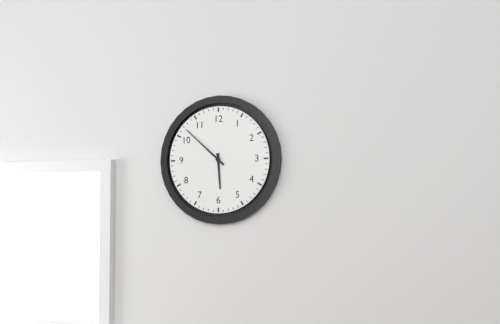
5:52
